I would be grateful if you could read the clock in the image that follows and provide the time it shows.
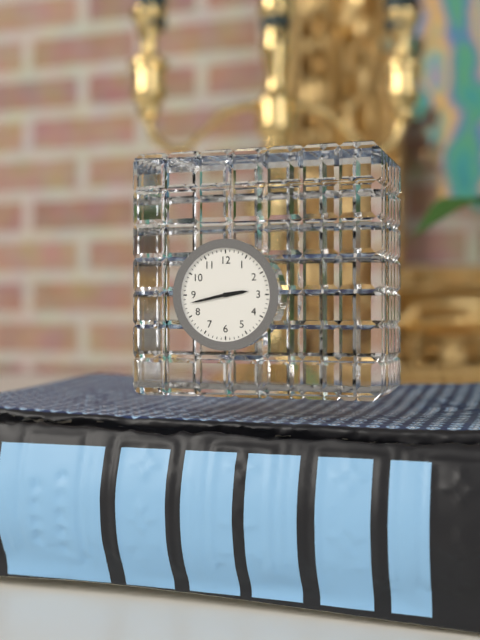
2:43
